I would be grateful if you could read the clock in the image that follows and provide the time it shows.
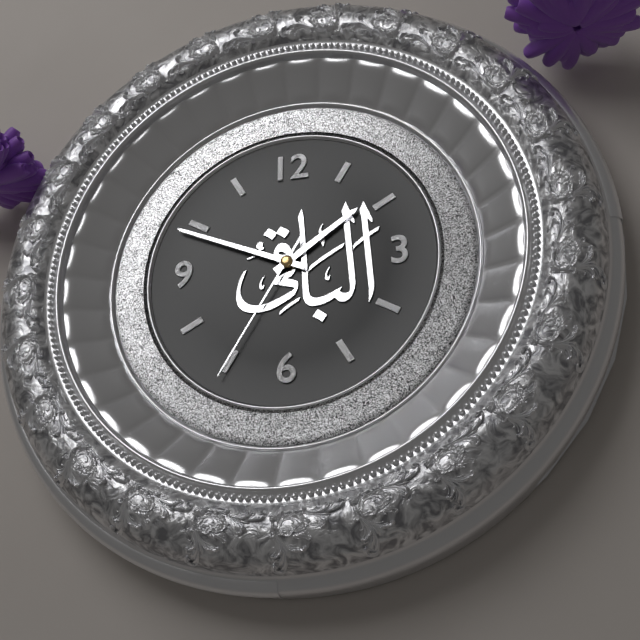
1:49:35
